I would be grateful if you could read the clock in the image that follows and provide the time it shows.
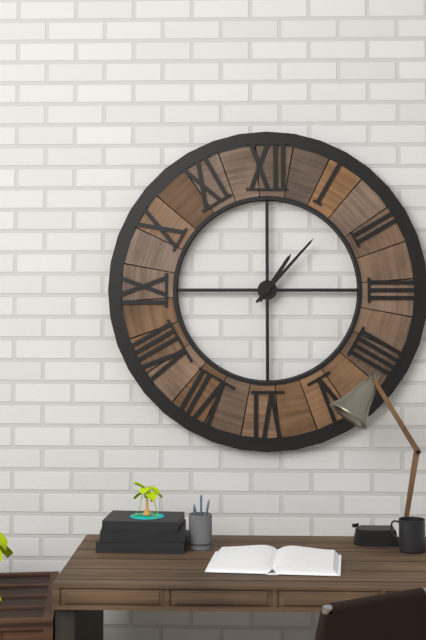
1:07
